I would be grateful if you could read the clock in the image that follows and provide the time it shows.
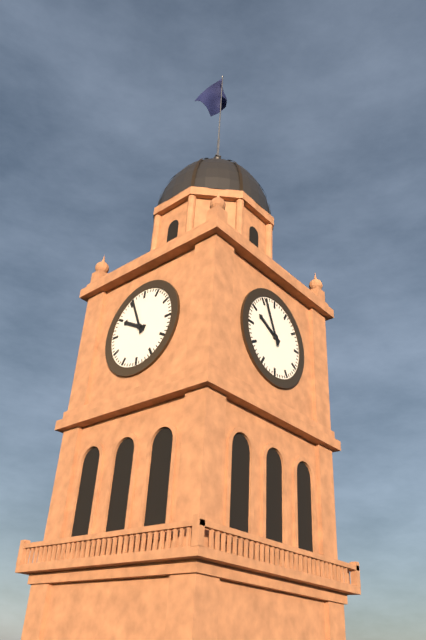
9:56
